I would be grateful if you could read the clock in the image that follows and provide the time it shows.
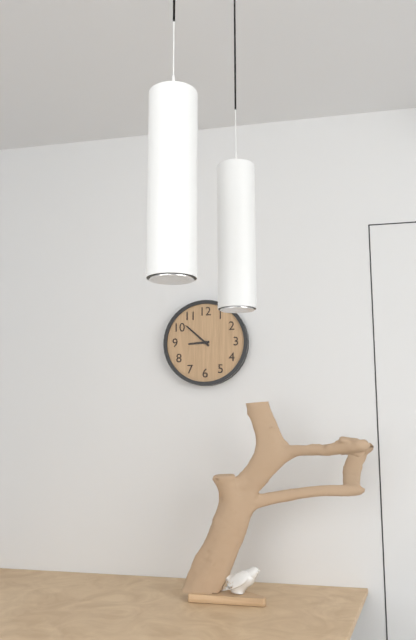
8:52
